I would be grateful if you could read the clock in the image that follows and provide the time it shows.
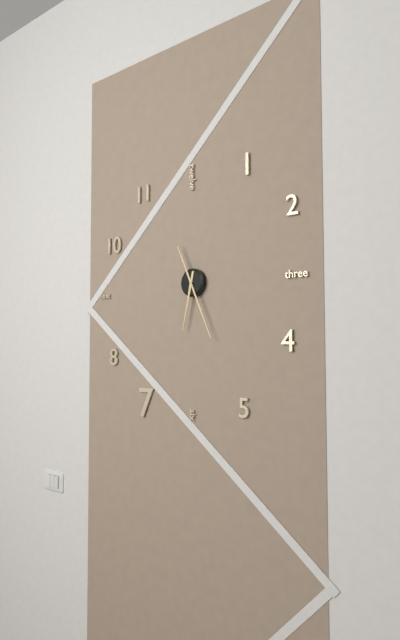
6:26
